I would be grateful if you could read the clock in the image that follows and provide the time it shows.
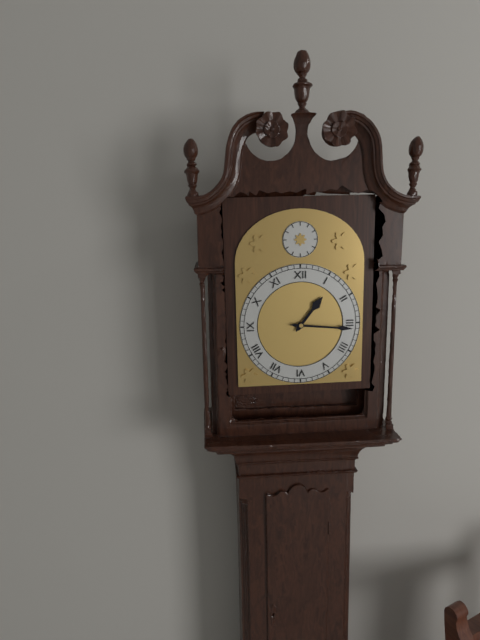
1:16
